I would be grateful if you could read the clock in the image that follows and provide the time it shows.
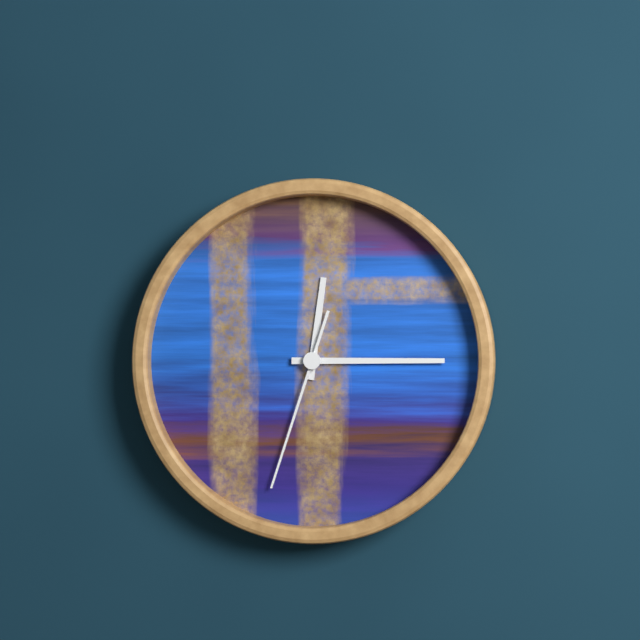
12:15:33
